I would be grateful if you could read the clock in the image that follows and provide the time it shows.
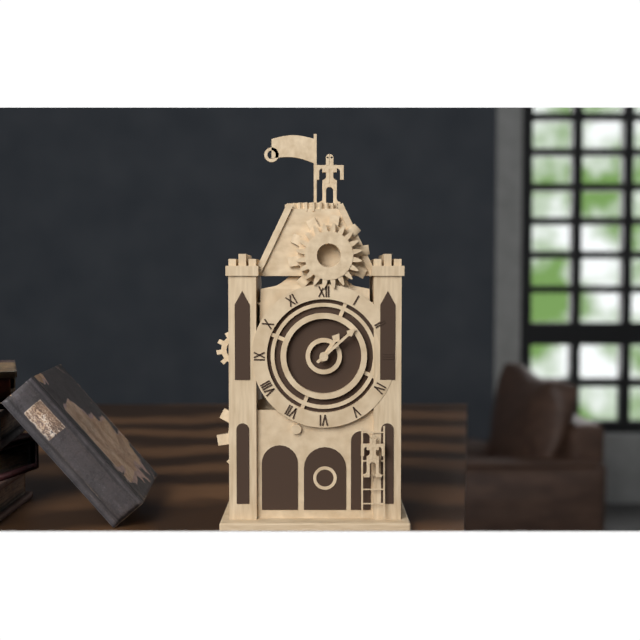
1:08
